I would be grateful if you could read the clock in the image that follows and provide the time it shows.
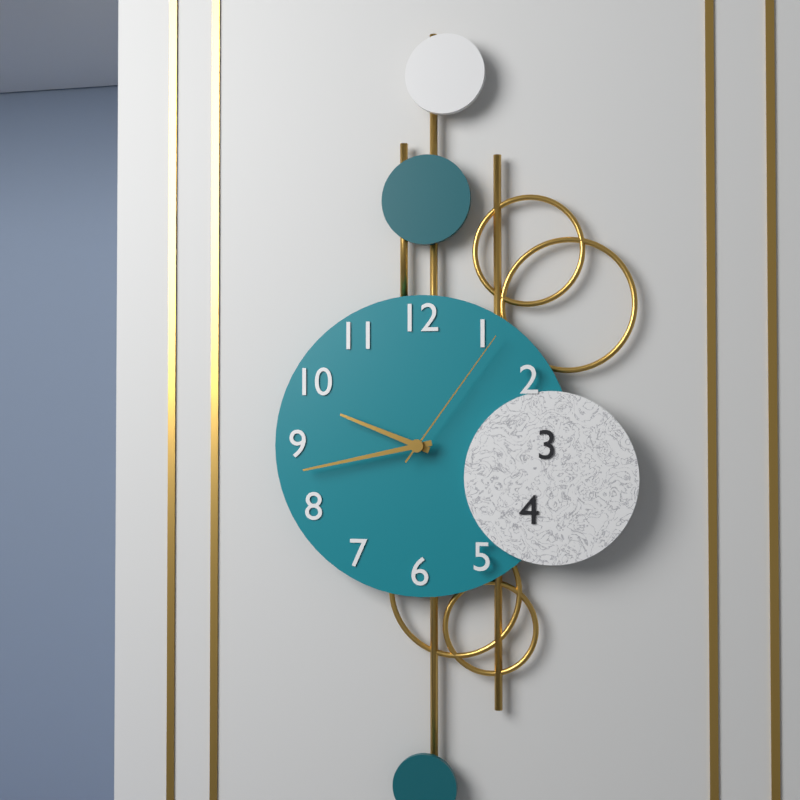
9:43:06
